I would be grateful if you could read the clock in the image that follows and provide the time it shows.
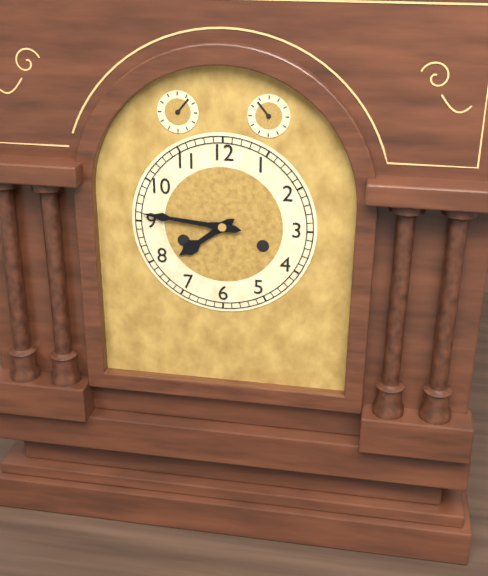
7:46
